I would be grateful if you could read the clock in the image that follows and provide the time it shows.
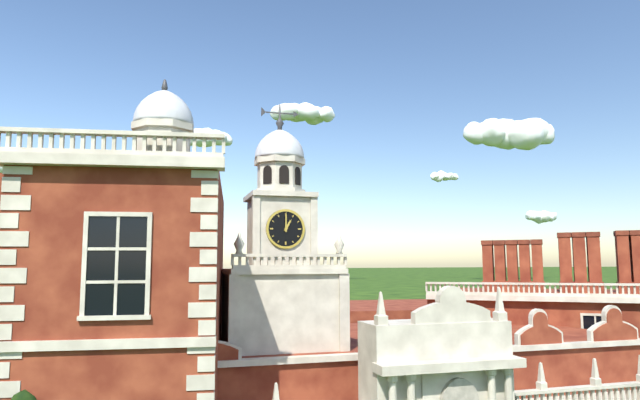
1:00
